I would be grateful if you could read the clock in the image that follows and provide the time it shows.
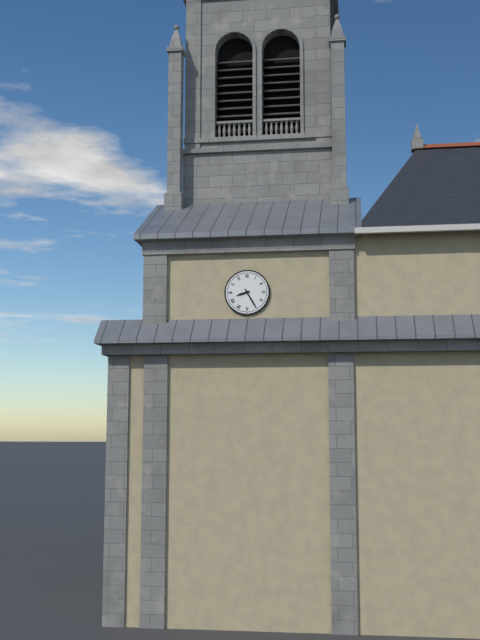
8:25
